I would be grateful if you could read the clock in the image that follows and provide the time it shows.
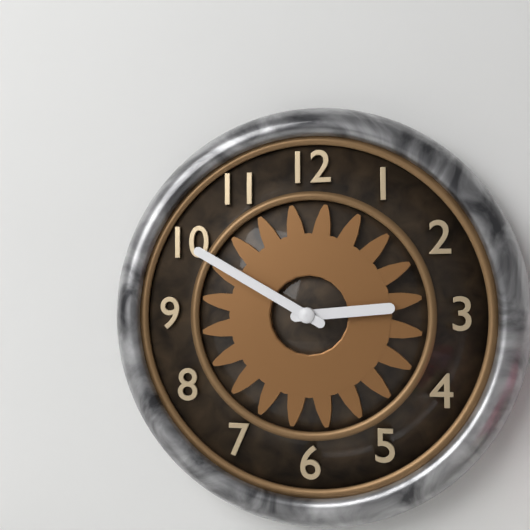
2:50
